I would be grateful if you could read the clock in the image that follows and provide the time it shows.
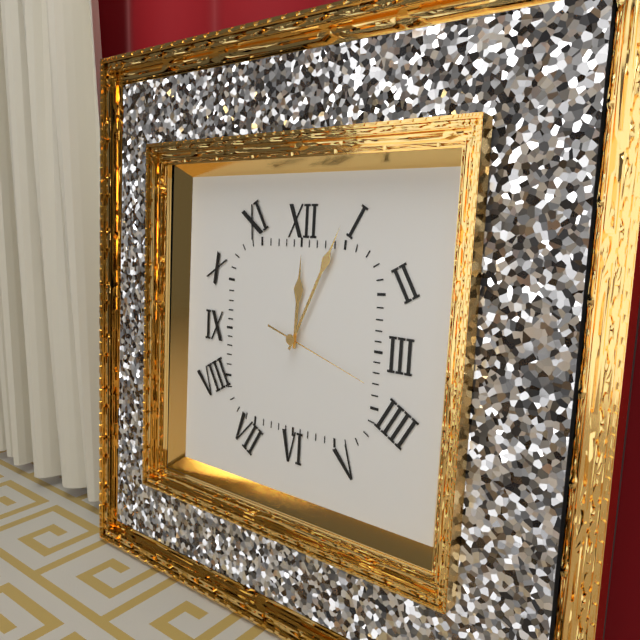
12:04:18
